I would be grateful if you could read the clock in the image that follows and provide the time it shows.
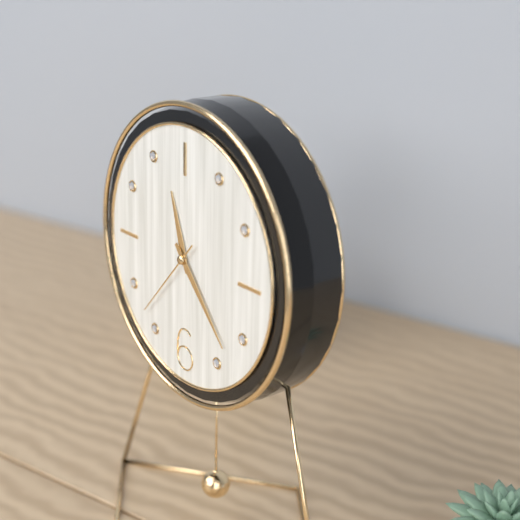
11:23:37
